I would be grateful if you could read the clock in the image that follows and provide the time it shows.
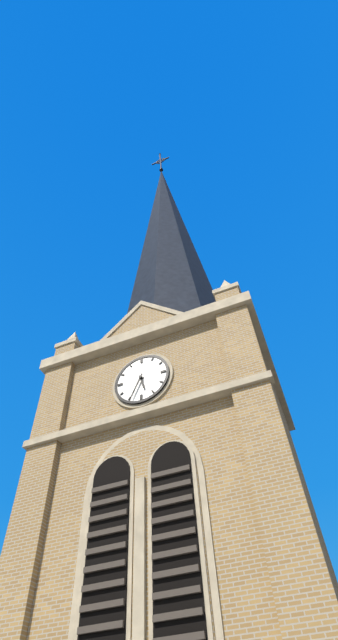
5:34
